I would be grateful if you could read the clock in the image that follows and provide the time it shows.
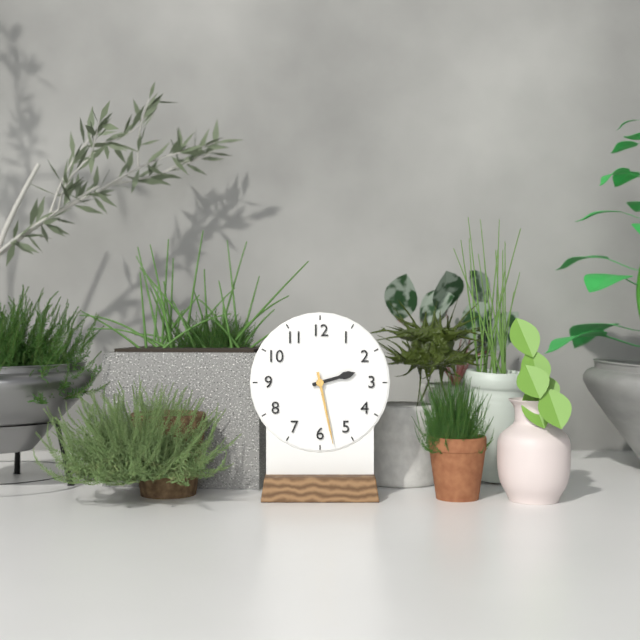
2:28
